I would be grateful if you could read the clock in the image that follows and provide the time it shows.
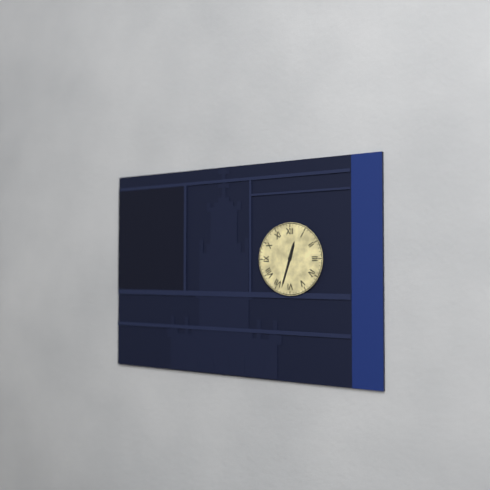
12:33
